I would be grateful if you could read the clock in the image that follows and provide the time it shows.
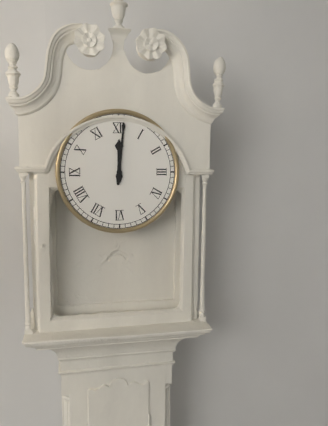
12:01
